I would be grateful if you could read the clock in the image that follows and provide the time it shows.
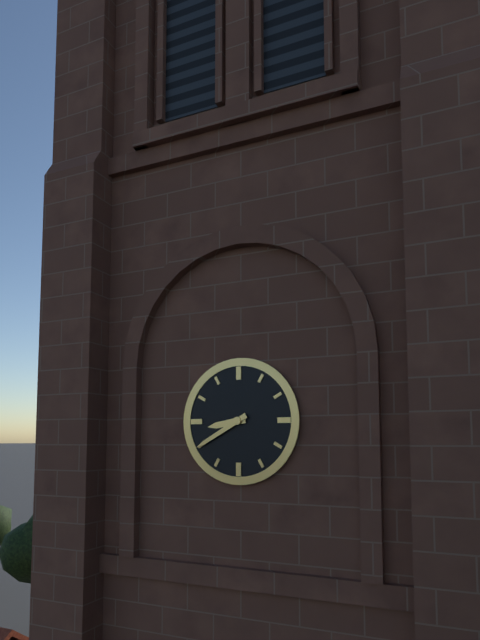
8:40
